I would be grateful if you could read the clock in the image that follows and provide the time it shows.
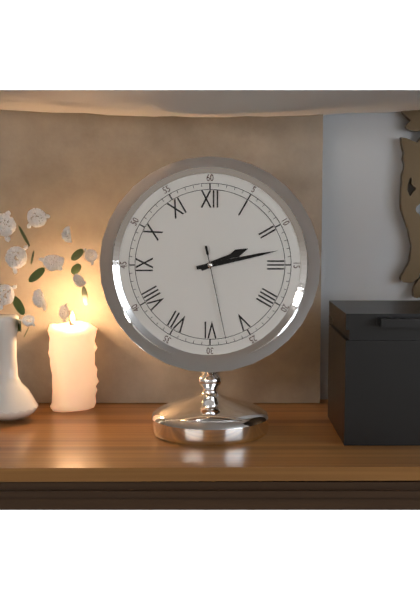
2:13:28
